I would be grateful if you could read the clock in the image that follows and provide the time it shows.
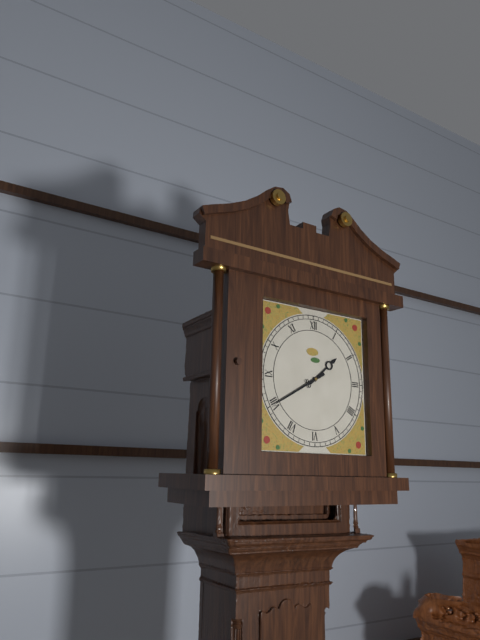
1:40
